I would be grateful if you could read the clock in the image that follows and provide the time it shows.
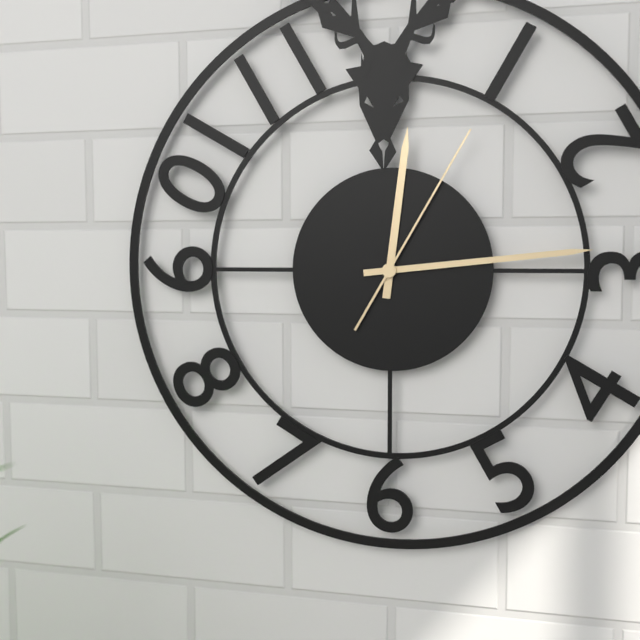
12:14:05
